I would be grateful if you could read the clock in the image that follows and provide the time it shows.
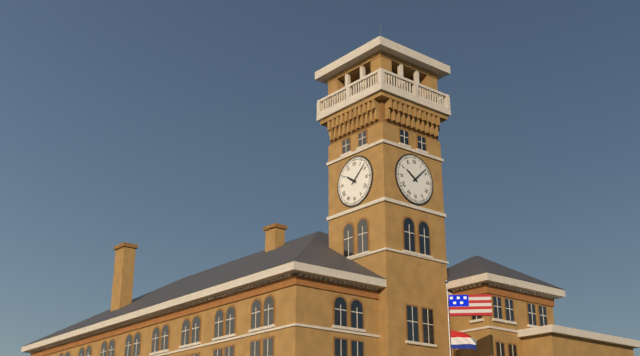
10:08
